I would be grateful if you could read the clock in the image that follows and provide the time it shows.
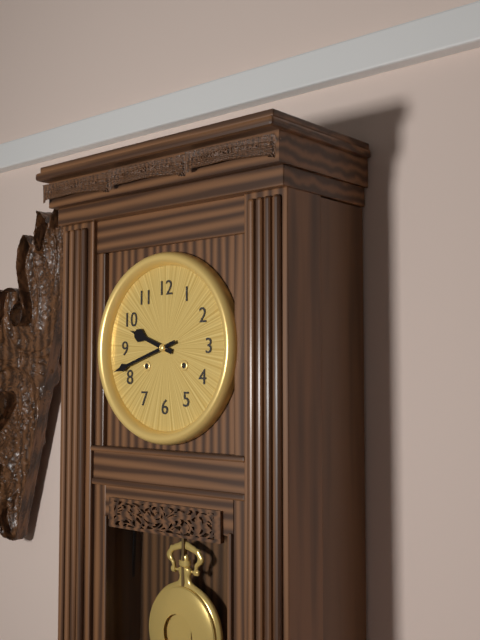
9:42
